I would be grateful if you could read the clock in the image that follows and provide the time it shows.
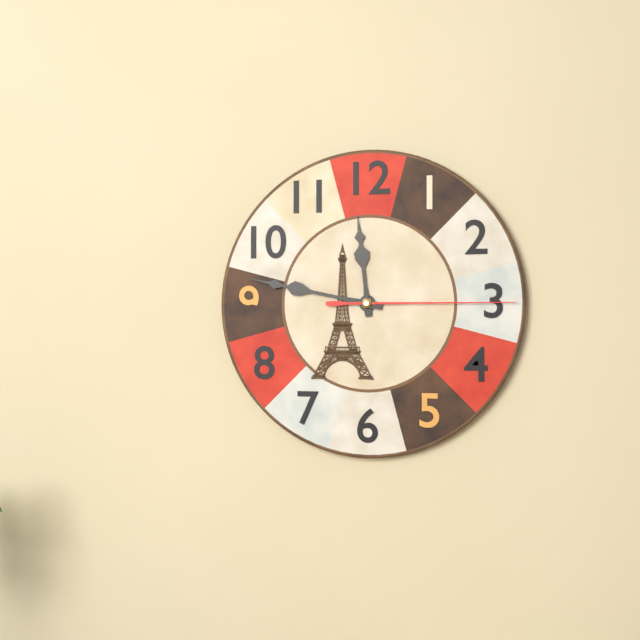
11:47:15
